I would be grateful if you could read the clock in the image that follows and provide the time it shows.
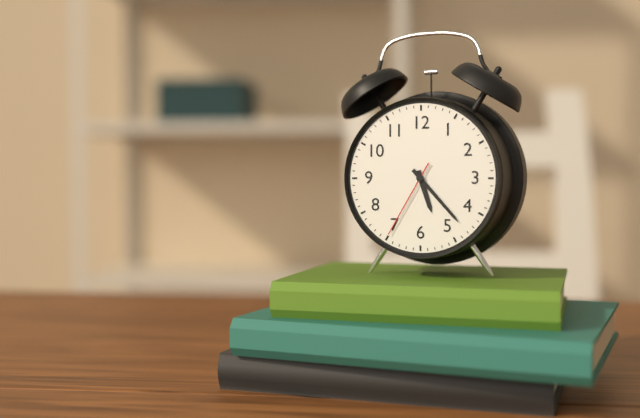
5:23:35
